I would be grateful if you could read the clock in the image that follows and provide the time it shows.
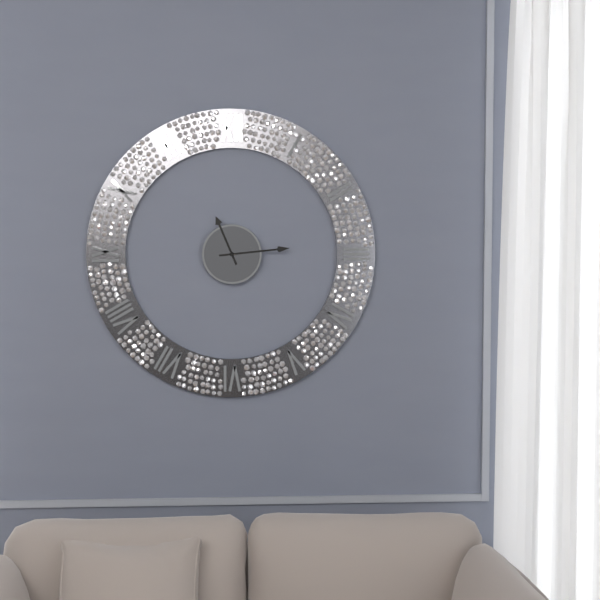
11:14
